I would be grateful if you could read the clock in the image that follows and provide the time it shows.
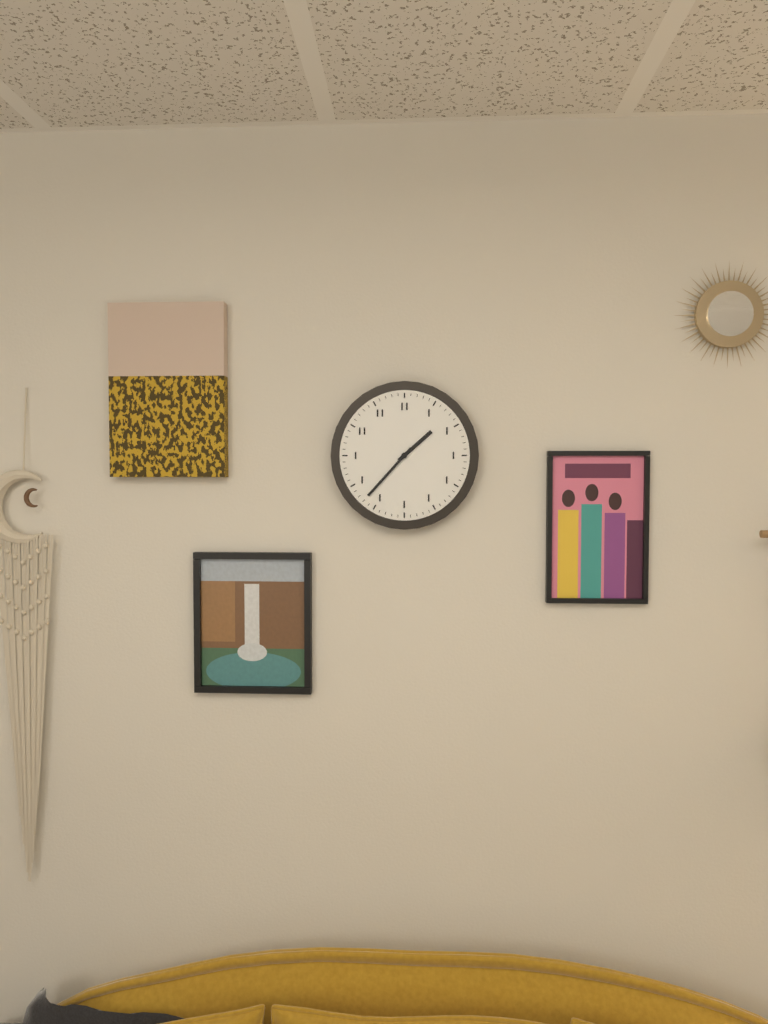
1:37
